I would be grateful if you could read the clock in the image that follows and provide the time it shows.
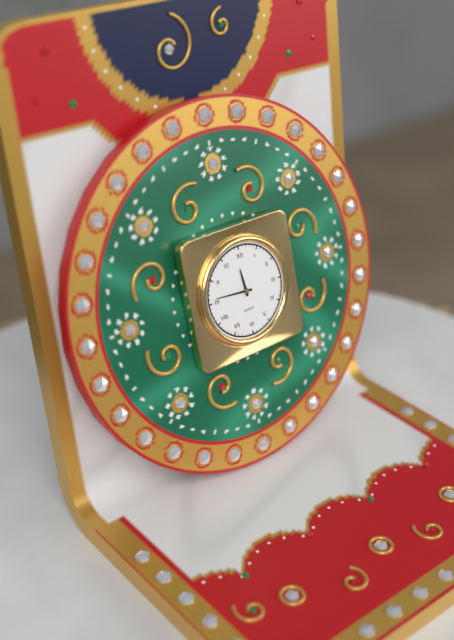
11:46
